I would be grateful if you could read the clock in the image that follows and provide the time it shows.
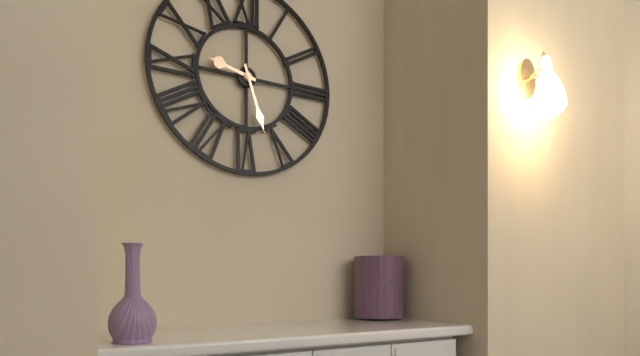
9:27
